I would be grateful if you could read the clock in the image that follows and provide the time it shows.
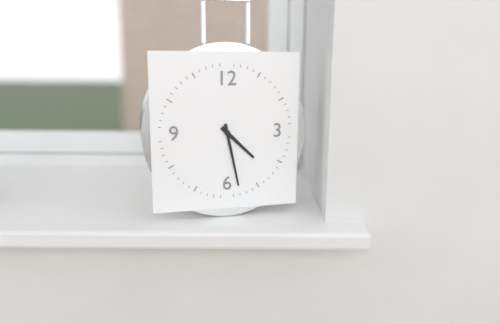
4:28
